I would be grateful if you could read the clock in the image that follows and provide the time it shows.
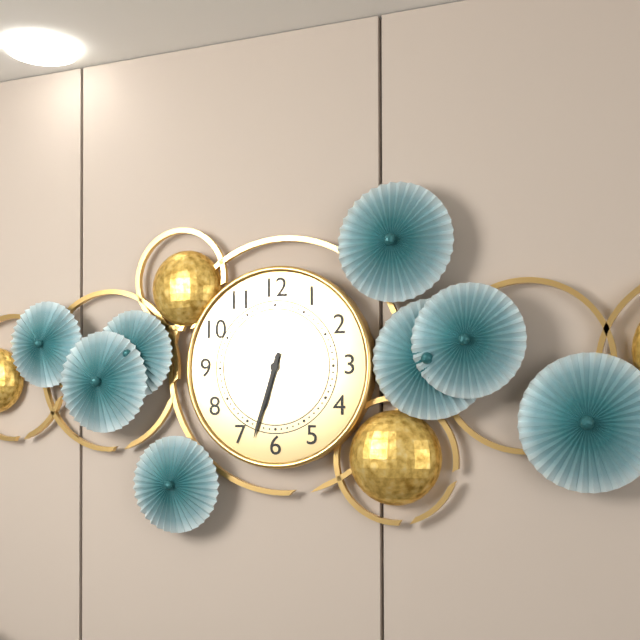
6:33
